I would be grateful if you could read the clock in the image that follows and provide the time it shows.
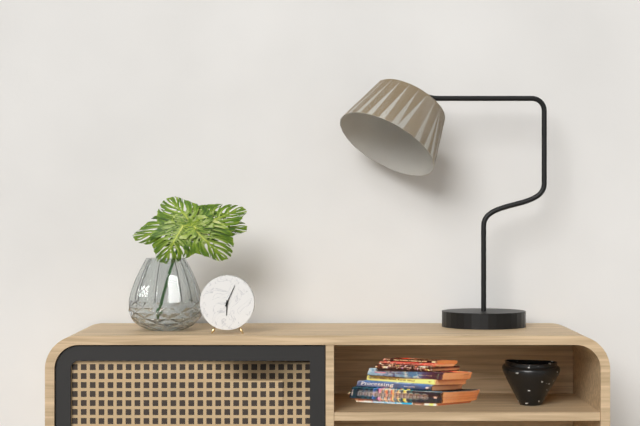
6:04
